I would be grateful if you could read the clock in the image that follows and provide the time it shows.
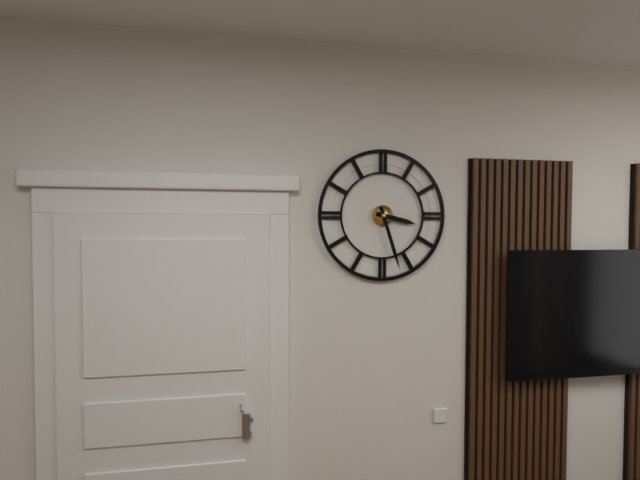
3:27
